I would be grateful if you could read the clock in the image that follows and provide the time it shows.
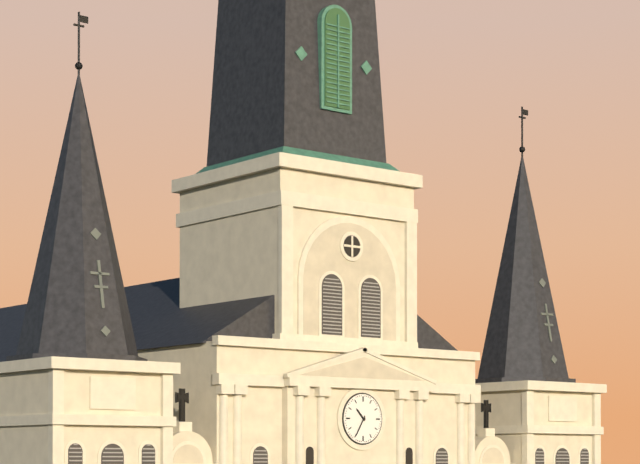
10:35
